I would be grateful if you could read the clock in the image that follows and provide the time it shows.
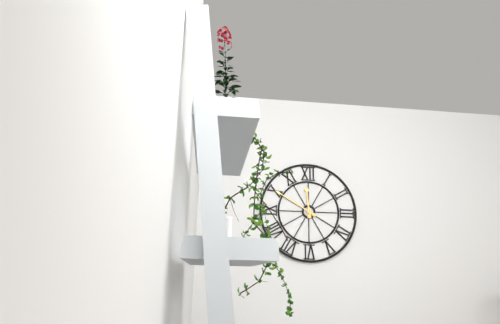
11:50
